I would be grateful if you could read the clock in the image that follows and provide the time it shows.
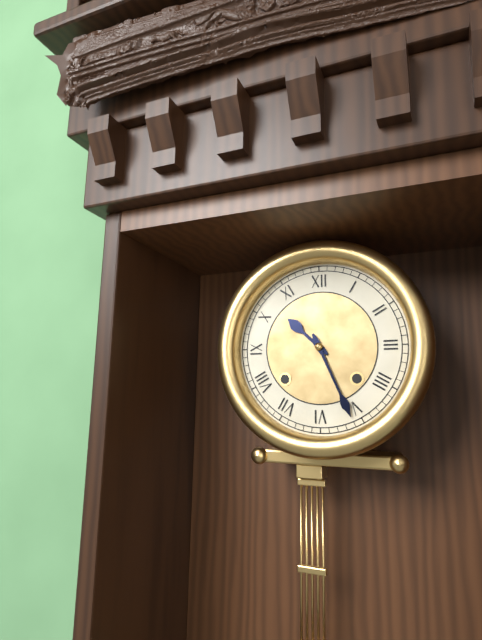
10:26
